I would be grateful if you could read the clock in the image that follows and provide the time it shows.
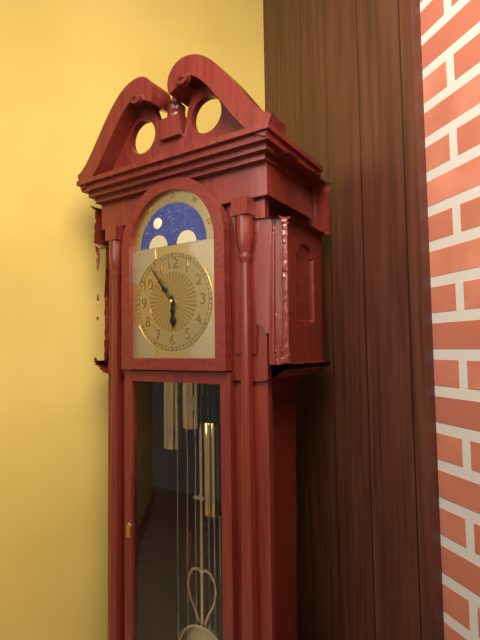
5:54
